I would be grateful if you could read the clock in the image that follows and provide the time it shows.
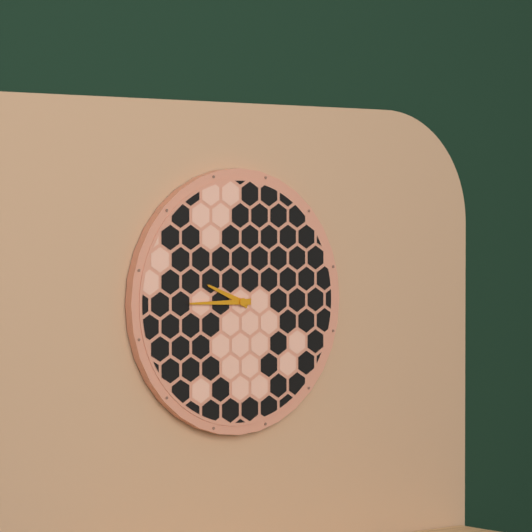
9:45
